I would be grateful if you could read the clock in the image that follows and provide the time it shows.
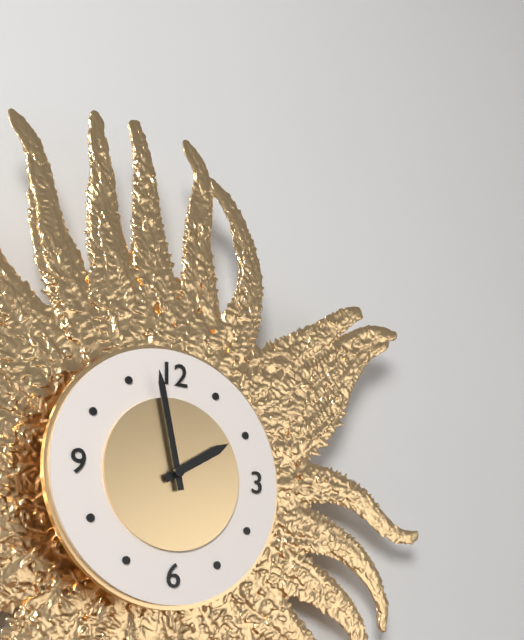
1:58
